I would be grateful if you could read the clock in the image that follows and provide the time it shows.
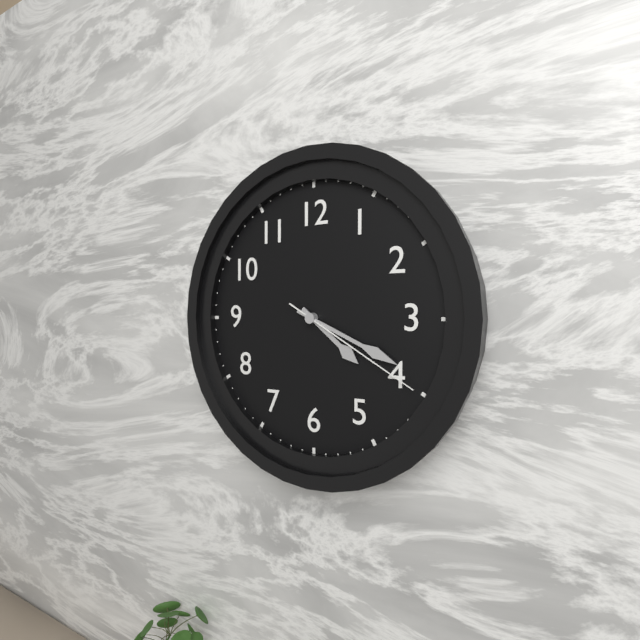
4:19:20
